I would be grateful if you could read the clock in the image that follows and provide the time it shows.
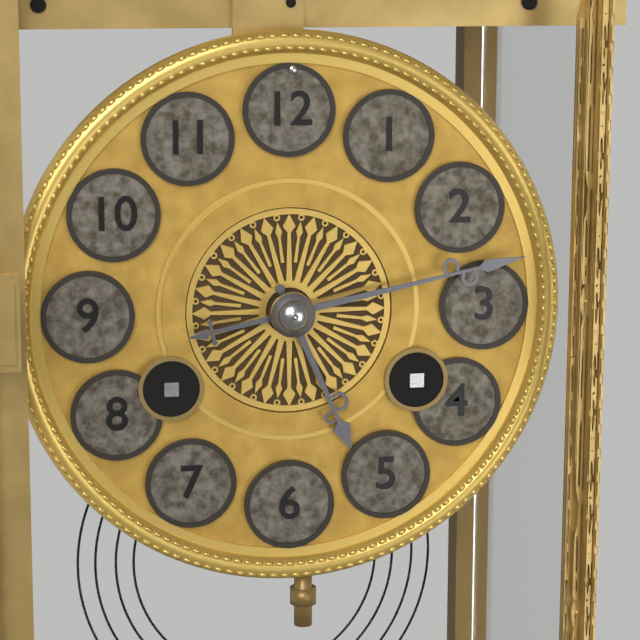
5:13
